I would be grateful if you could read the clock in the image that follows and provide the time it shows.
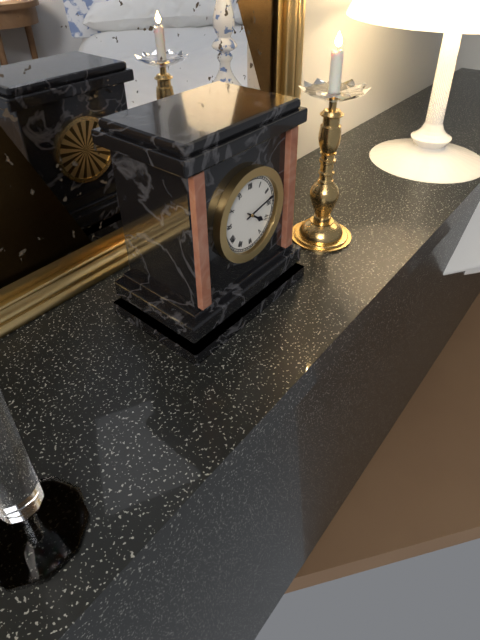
4:13
